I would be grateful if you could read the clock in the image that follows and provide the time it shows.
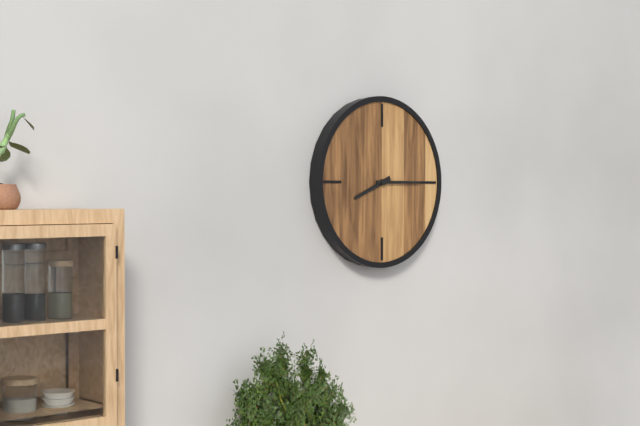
8:15
